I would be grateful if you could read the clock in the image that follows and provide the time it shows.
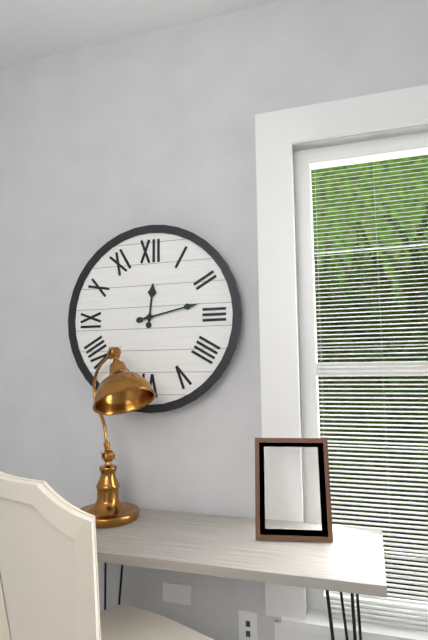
12:13
